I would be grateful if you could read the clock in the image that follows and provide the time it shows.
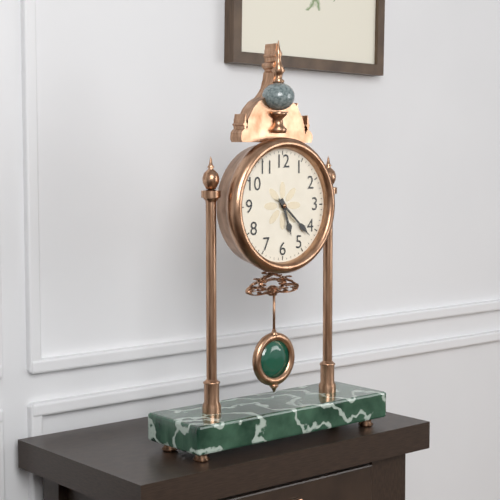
5:22
